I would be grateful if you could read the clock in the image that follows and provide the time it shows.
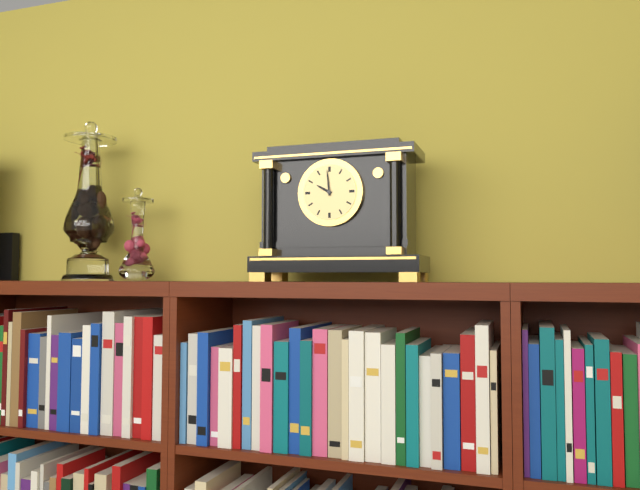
9:59
